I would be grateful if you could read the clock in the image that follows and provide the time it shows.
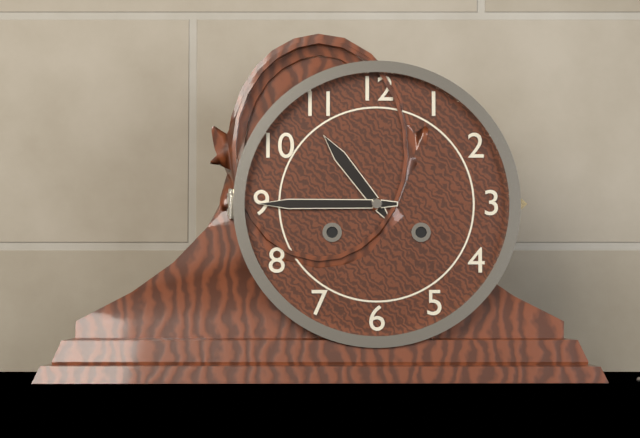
10:45
